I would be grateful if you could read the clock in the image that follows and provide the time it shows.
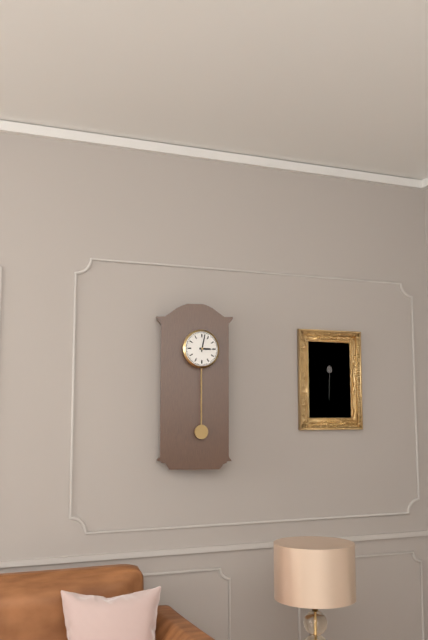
3:02
